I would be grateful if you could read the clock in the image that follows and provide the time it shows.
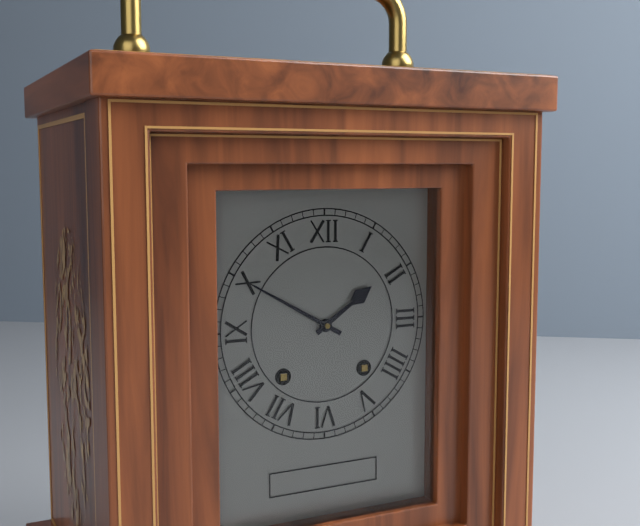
1:50
